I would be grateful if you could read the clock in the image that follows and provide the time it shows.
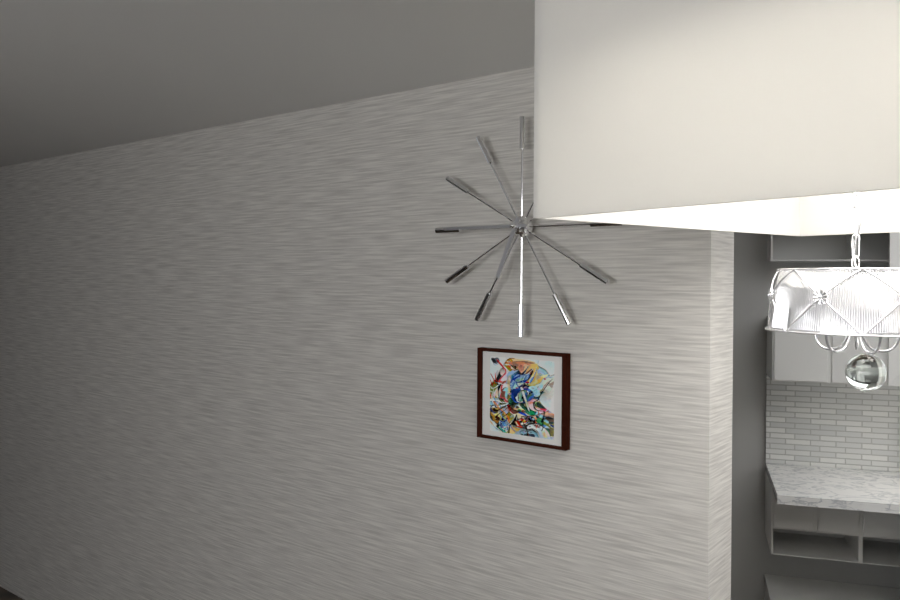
6:45
